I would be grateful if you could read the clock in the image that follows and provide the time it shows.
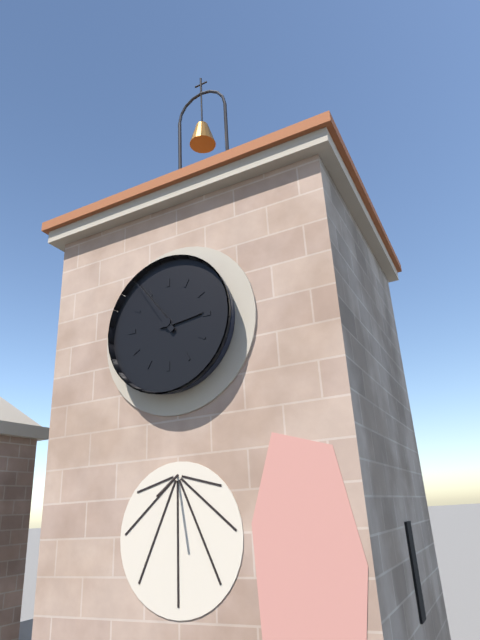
2:54
